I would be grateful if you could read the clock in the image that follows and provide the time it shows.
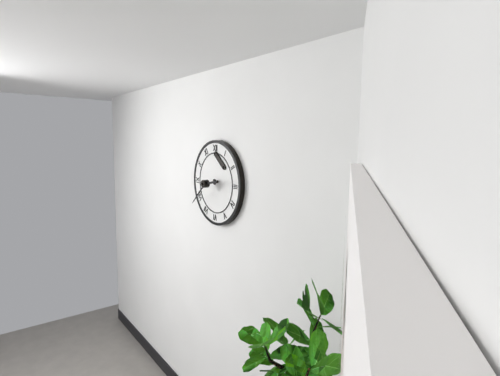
2:38
